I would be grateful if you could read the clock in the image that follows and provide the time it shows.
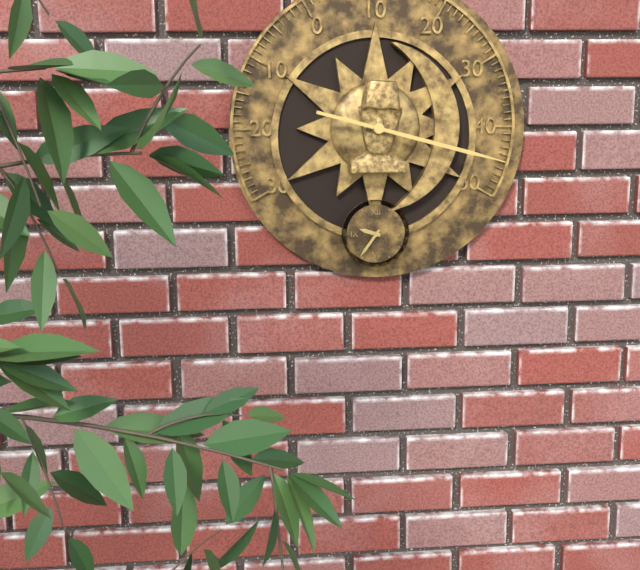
9:36
